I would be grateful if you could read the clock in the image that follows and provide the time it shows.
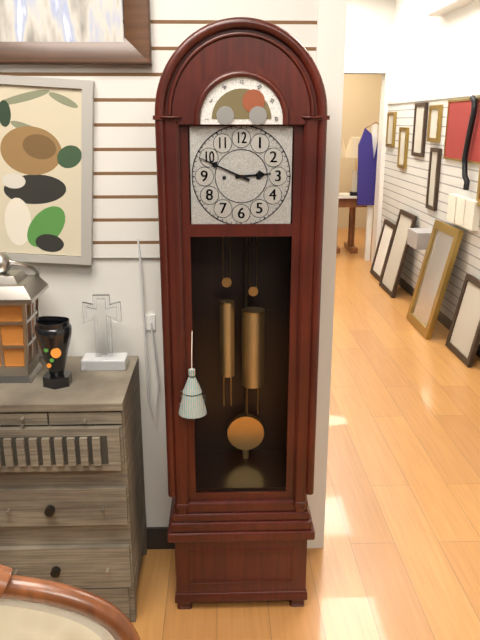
2:49
